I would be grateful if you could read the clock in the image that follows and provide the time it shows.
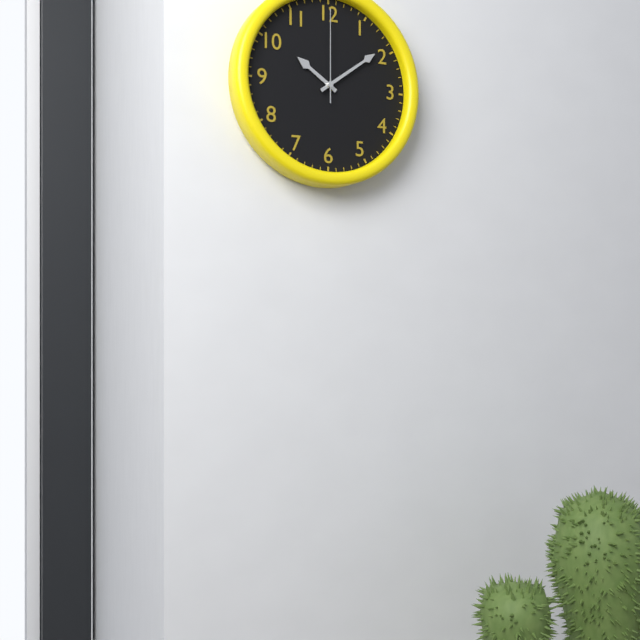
10:09:00
